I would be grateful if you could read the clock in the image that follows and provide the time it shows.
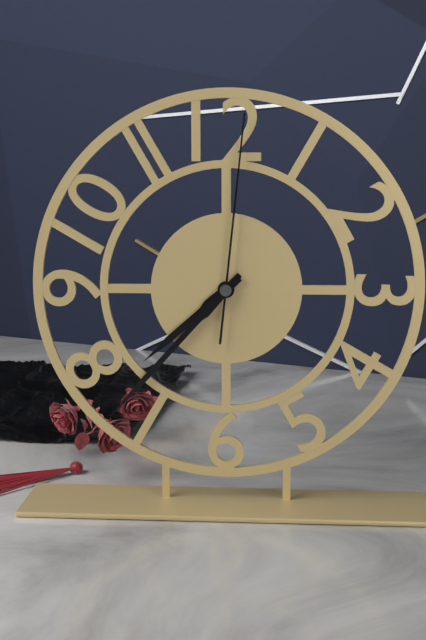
7:37:01
